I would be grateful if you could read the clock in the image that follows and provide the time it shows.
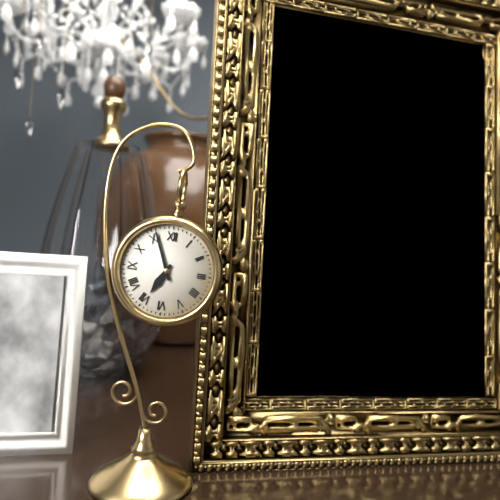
6:56
